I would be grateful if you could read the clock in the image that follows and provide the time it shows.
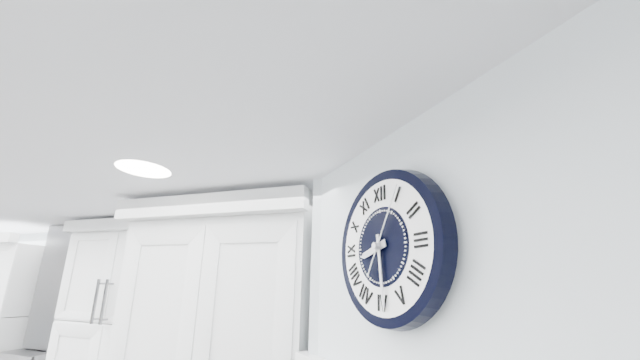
8:29:05
